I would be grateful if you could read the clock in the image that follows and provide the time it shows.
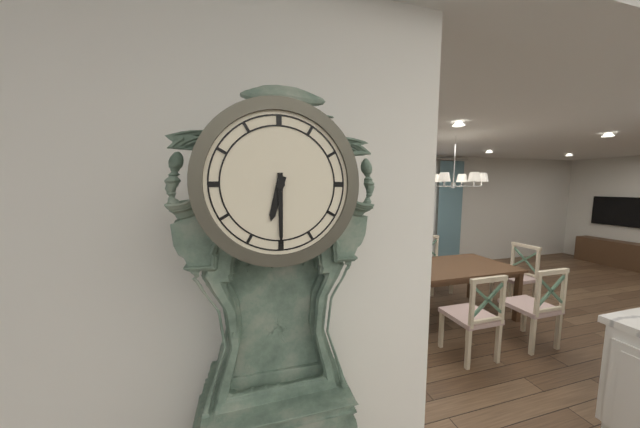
6:30
